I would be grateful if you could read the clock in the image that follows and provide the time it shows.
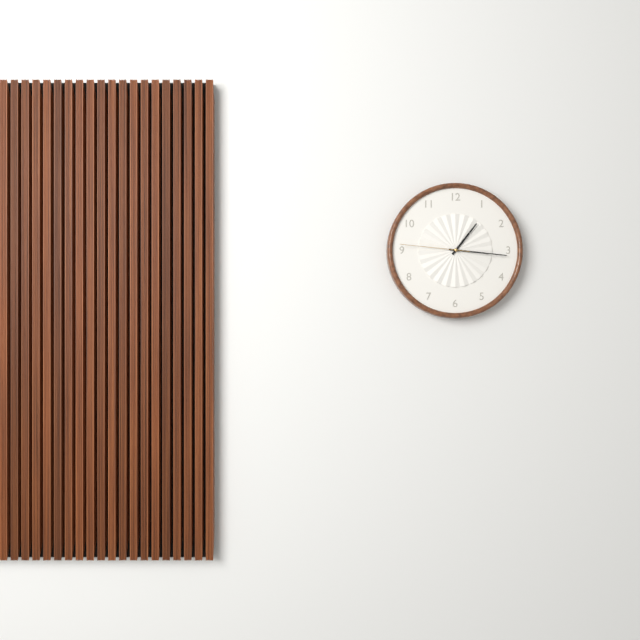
1:16:46
